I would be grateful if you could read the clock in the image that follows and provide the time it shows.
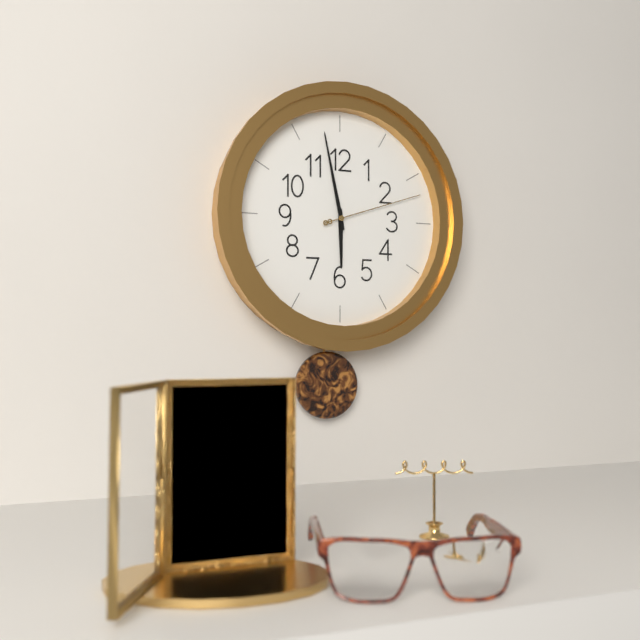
5:58:12
